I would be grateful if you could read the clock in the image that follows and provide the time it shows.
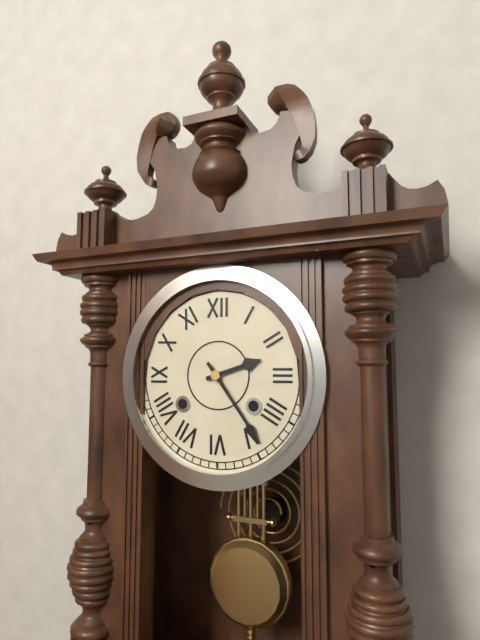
2:24
